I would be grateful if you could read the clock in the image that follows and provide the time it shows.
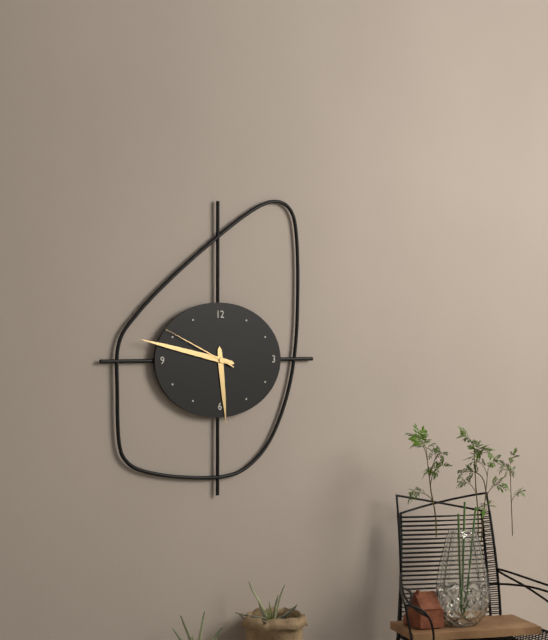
5:47:49
